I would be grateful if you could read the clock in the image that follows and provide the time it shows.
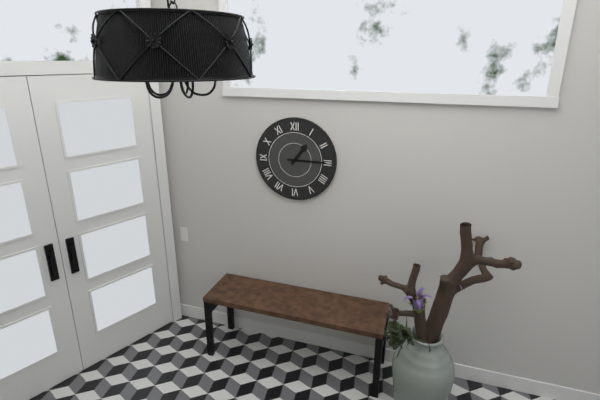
1:15
